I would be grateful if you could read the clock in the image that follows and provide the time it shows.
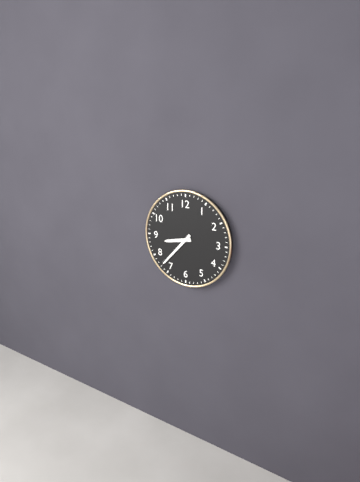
8:37
